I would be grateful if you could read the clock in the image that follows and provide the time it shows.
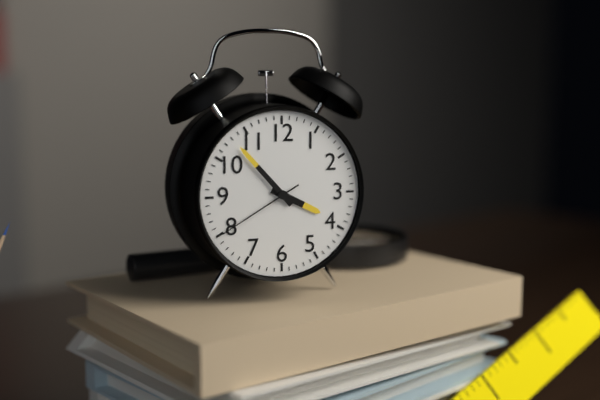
3:53:40
